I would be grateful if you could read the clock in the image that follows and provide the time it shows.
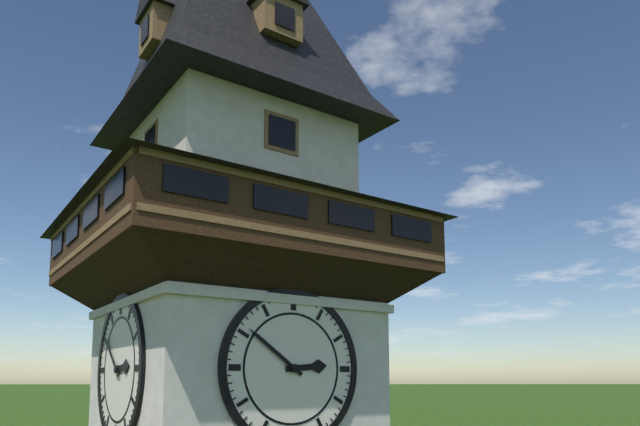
2:51
